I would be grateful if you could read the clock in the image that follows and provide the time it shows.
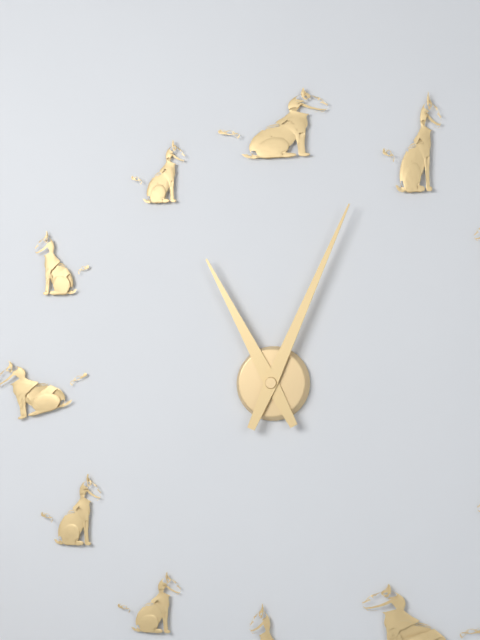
11:04
